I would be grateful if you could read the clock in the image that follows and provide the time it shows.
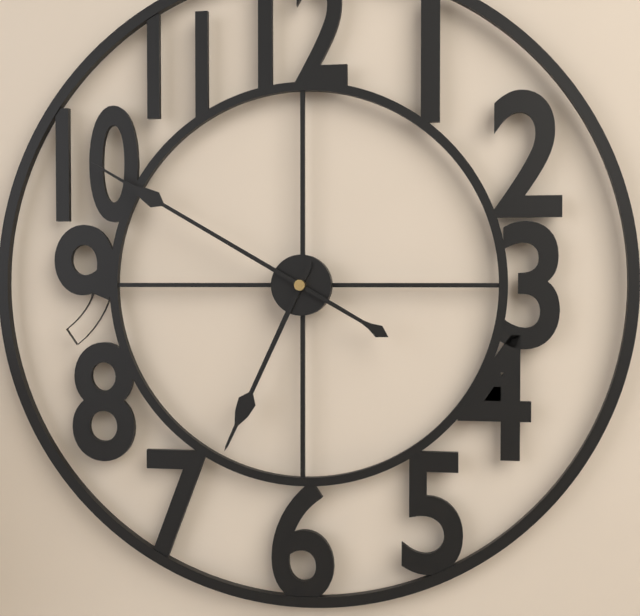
6:50
